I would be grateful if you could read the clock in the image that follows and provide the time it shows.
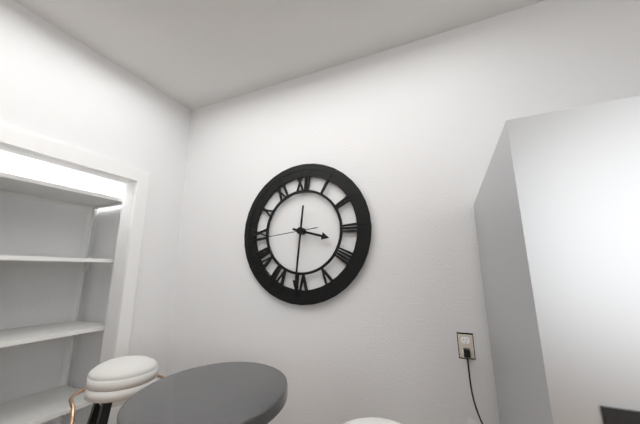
3:31:44
